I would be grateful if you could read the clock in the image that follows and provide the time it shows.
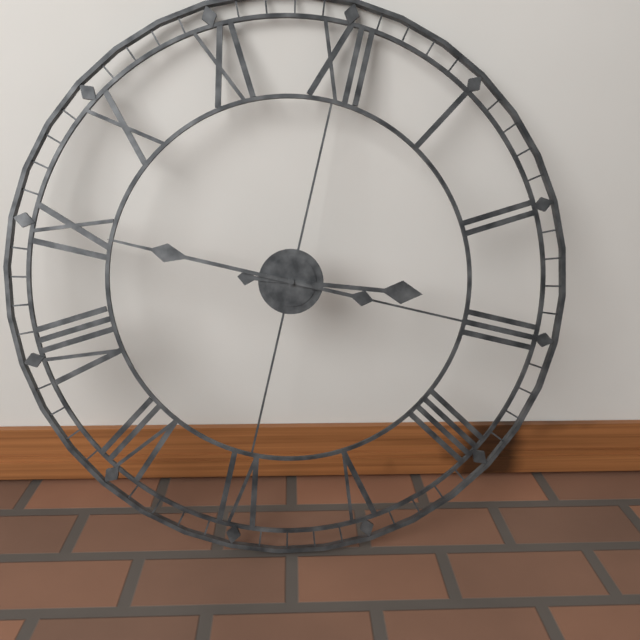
2:45
